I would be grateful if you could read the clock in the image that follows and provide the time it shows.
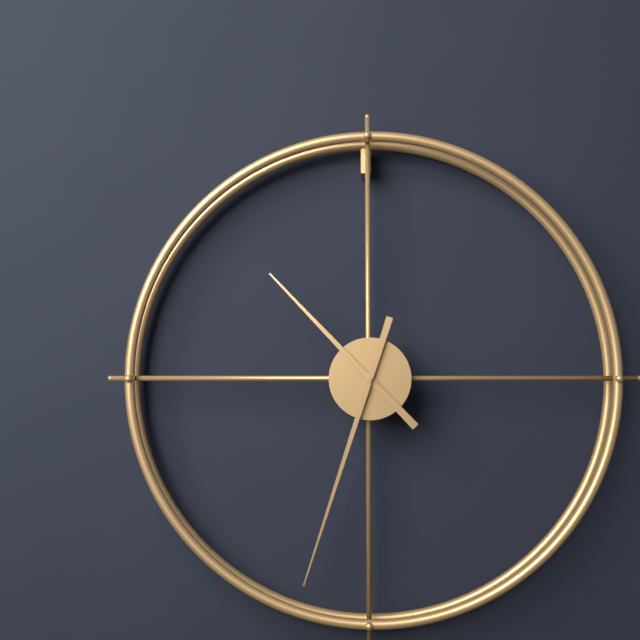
10:33
